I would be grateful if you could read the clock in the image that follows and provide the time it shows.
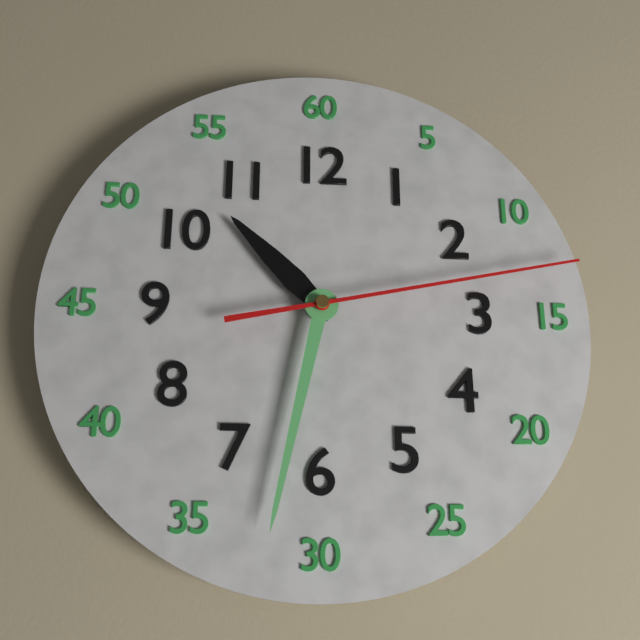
10:32:13
